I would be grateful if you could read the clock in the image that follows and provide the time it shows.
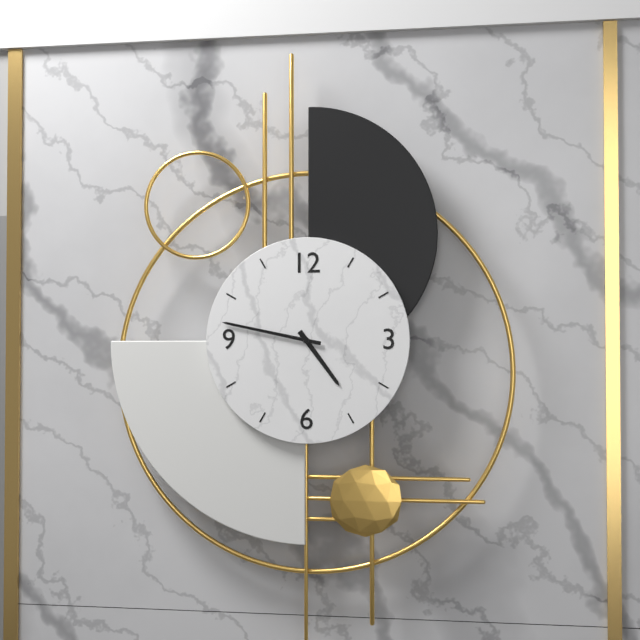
4:47
